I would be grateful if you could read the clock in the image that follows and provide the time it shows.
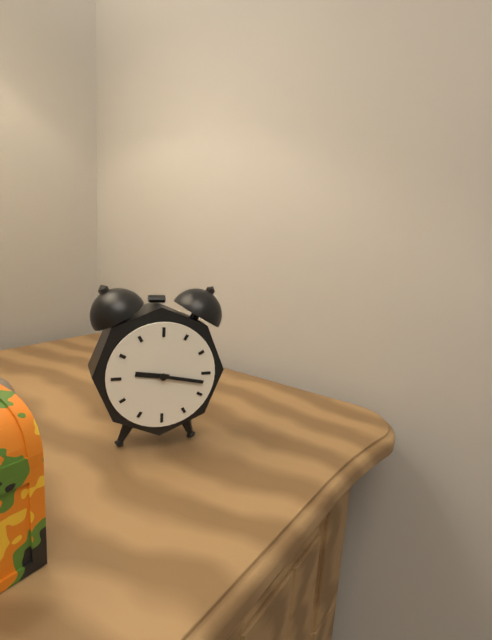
9:17
